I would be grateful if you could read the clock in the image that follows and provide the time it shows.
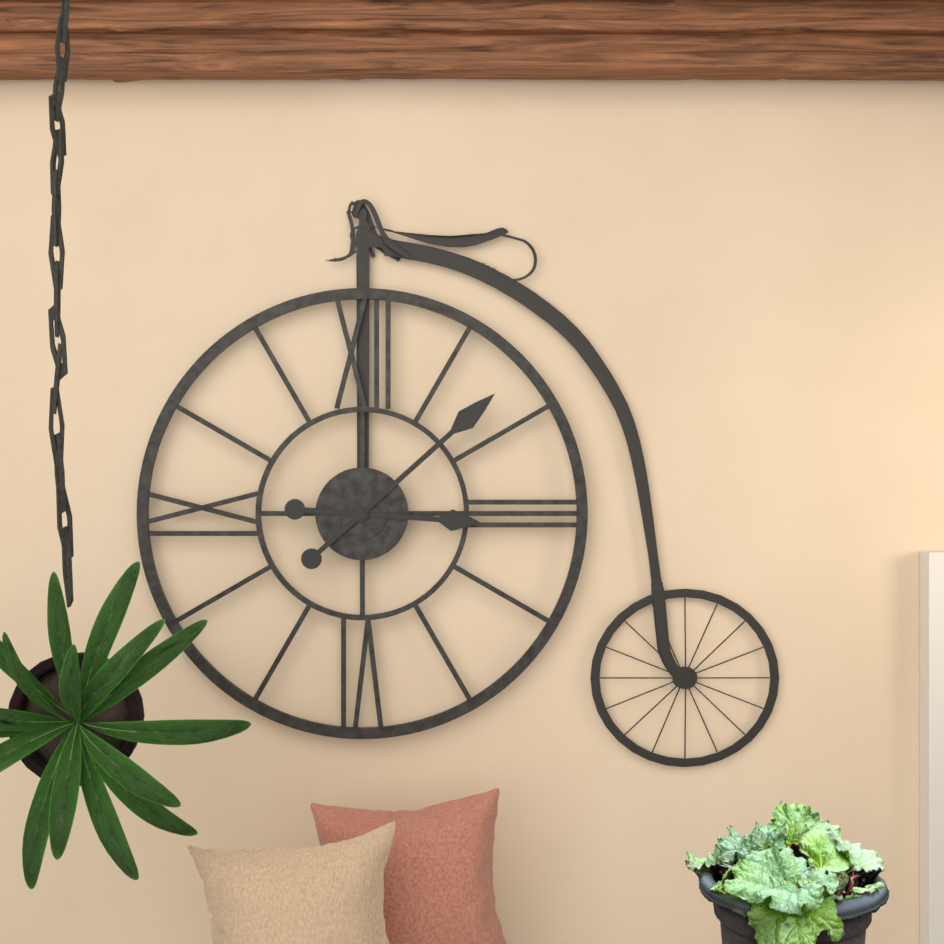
3:08
